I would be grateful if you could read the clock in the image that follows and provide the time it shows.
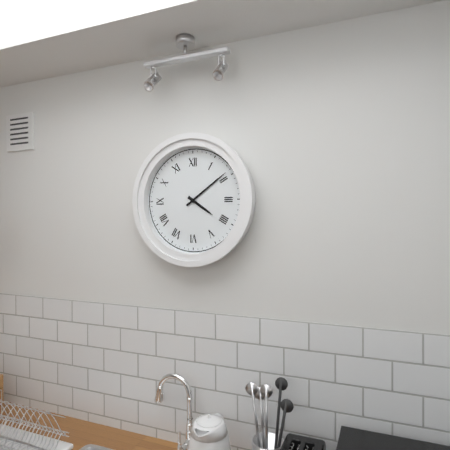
4:09
